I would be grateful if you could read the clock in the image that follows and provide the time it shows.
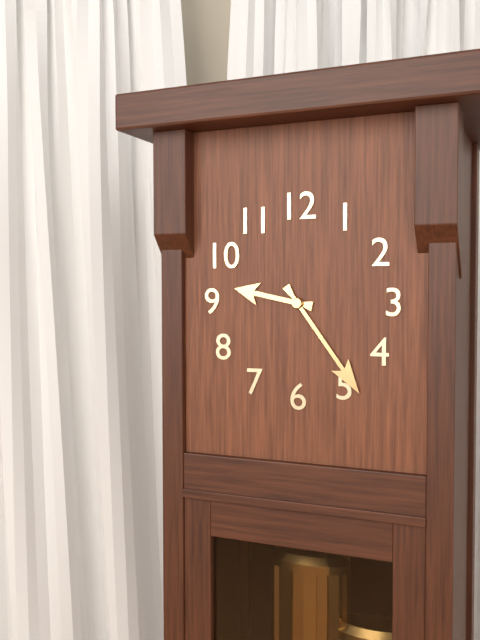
9:24
